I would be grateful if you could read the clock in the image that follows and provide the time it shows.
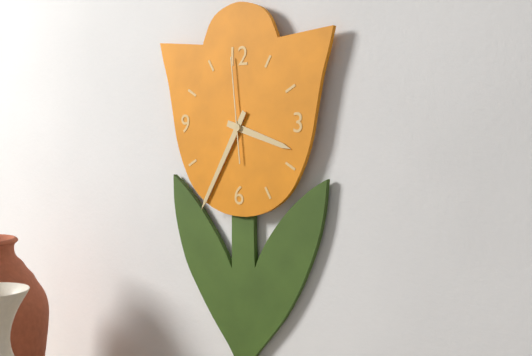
3:35:59
